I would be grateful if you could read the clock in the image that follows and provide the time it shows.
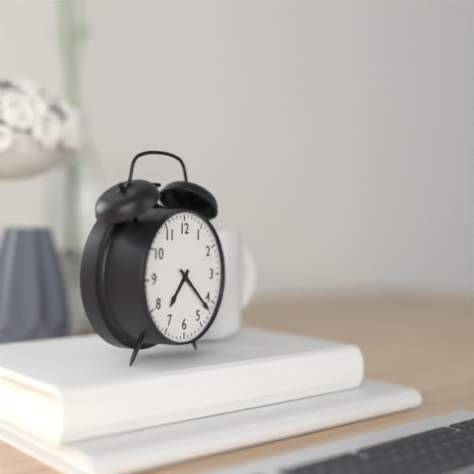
7:22
